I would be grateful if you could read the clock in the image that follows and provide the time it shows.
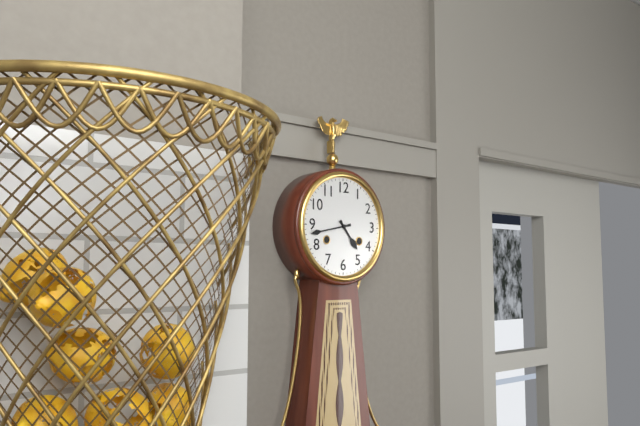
4:43
